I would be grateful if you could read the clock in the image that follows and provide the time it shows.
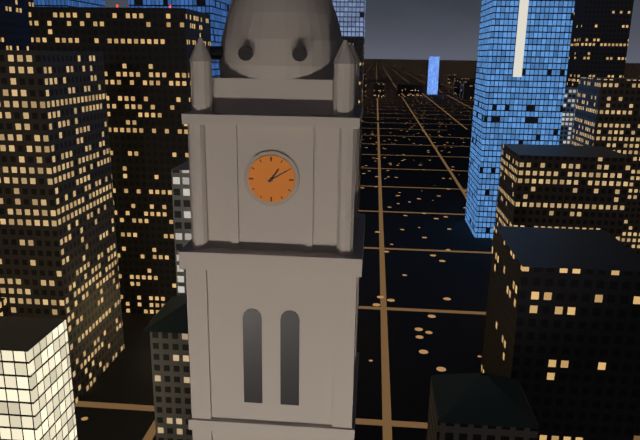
1:10
